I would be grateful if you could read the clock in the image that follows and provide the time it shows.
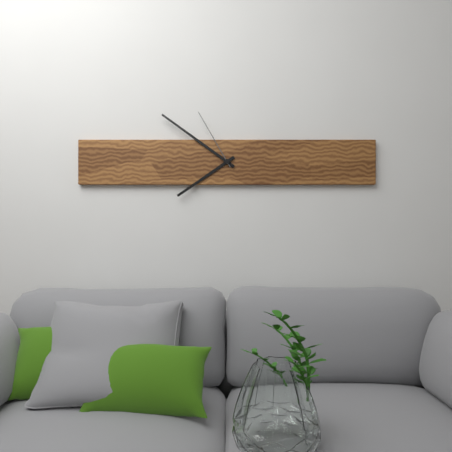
7:51:55
